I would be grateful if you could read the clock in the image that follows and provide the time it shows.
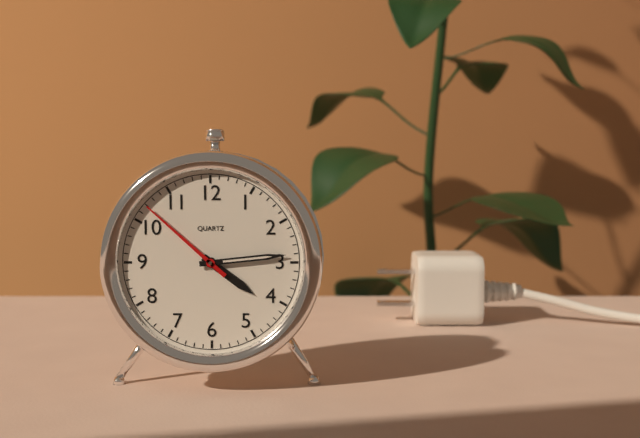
4:14:52
